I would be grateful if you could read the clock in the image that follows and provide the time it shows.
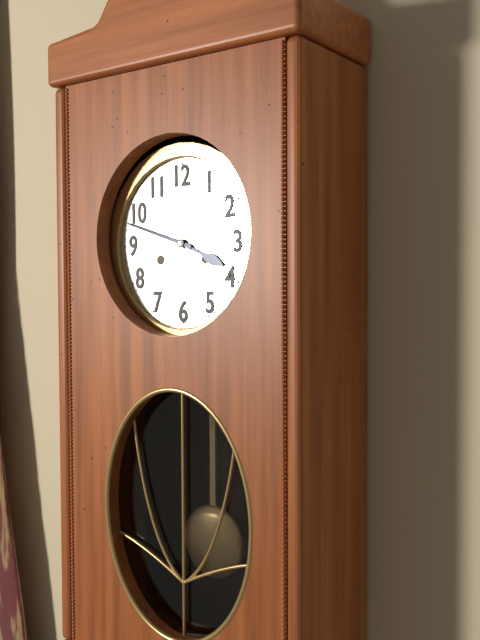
3:48
